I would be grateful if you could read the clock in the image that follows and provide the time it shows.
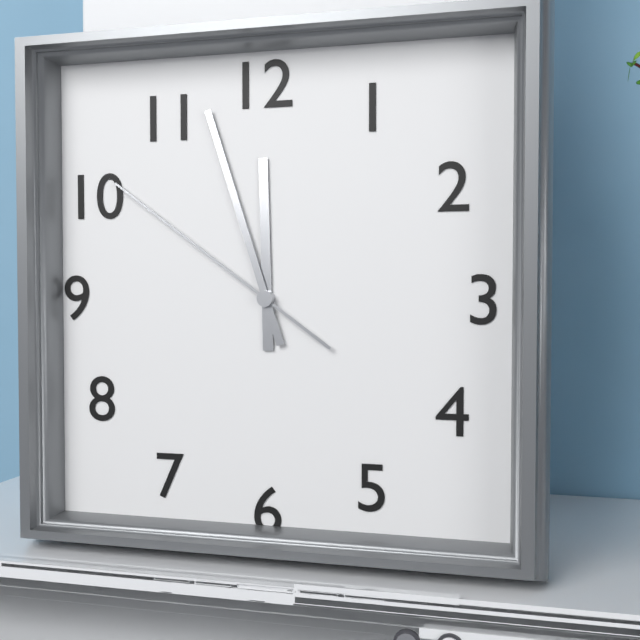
11:57:51
